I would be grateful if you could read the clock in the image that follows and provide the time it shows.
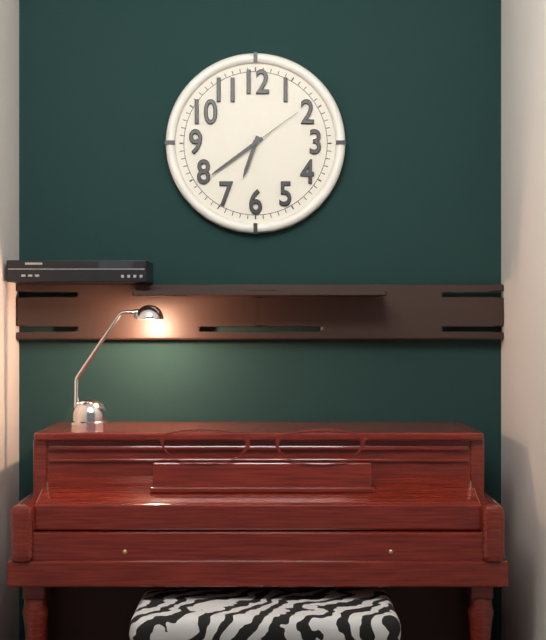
6:39:09
